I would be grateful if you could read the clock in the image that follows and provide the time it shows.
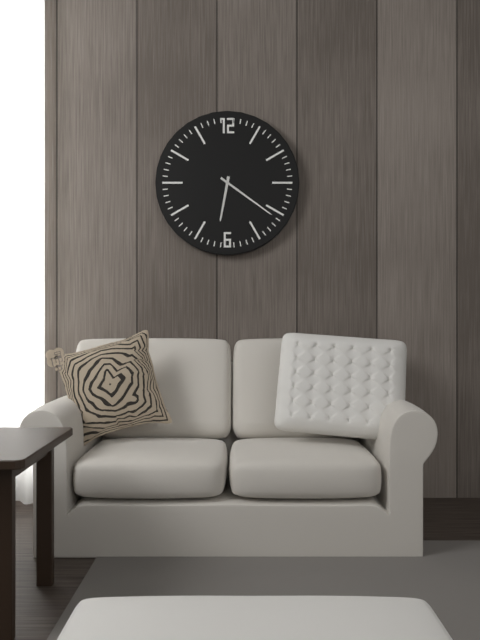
6:21
